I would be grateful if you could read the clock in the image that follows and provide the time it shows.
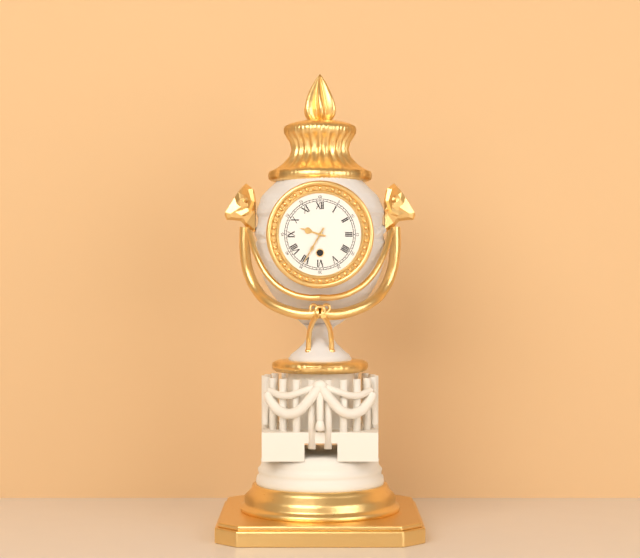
9:35
